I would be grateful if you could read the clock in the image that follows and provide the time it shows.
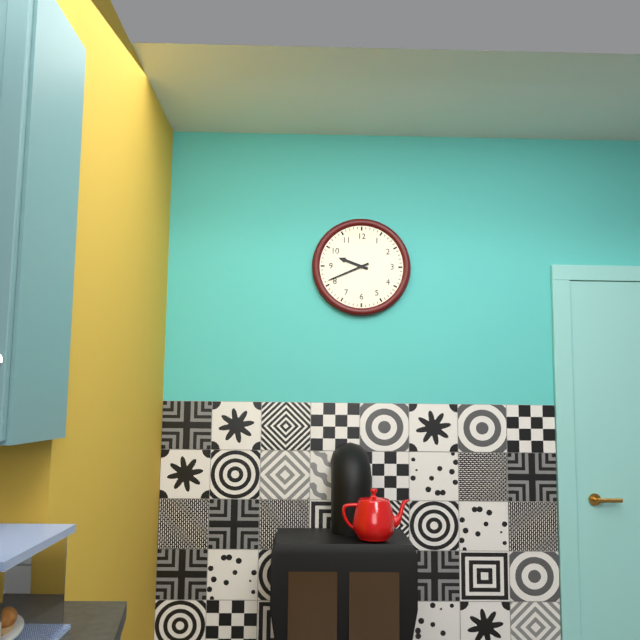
9:41
